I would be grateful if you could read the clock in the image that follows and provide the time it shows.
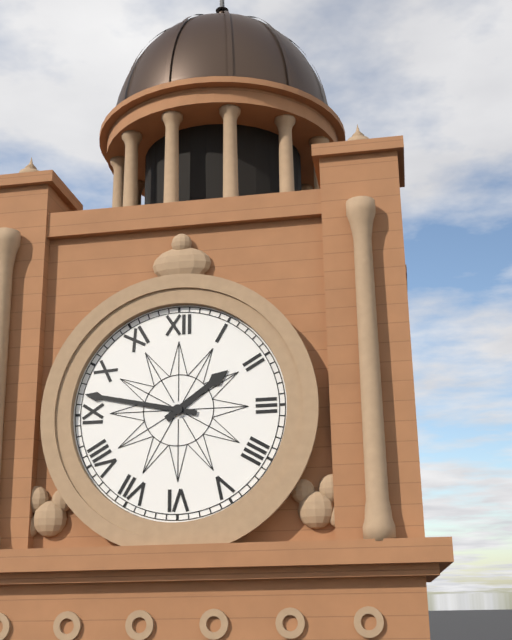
1:47
